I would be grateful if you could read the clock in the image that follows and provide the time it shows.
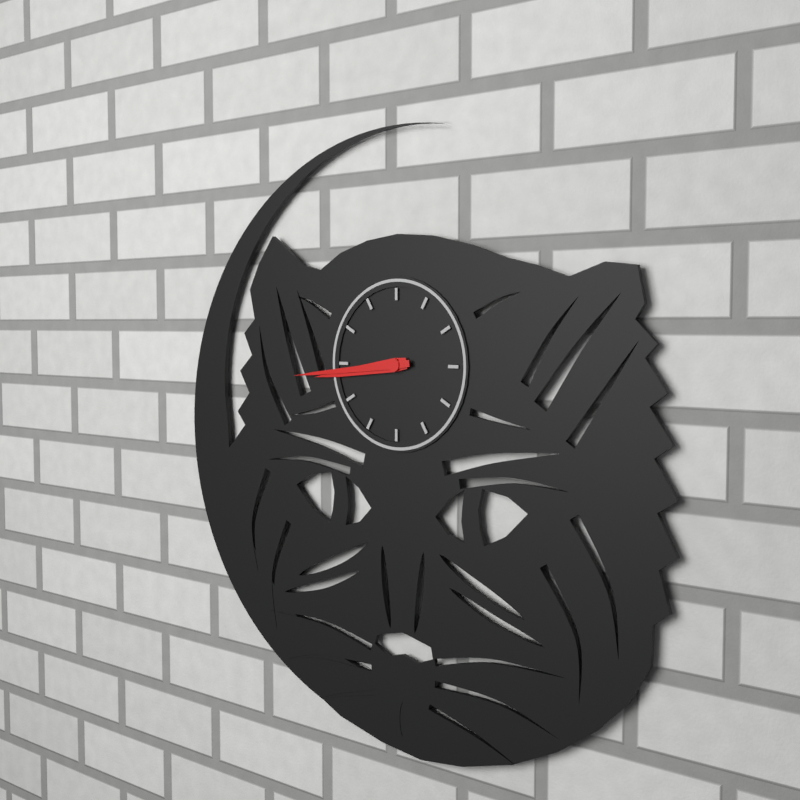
8:44
